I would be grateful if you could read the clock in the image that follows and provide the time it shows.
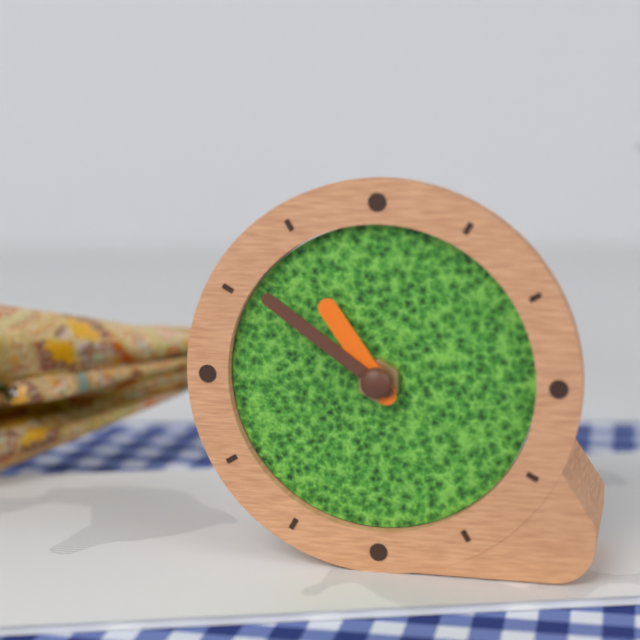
10:51
